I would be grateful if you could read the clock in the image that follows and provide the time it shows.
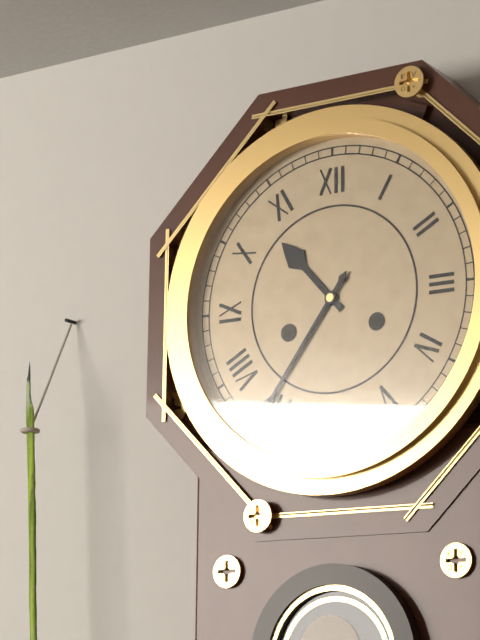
10:36
